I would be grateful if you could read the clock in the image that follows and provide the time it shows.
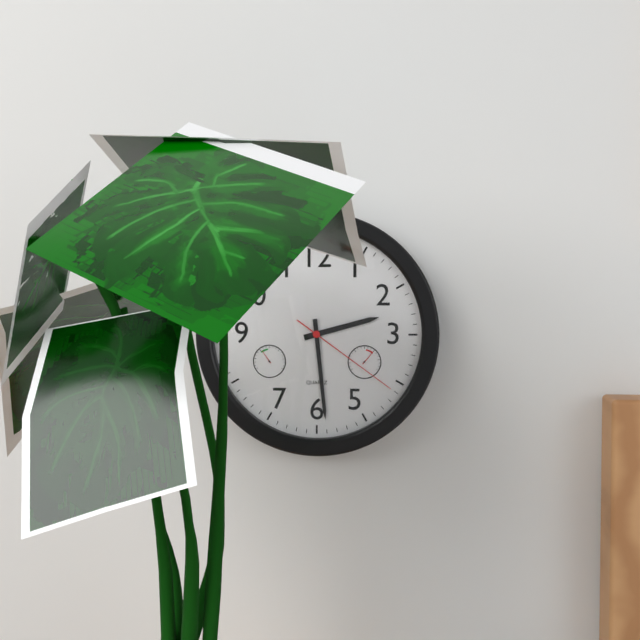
2:29:21
